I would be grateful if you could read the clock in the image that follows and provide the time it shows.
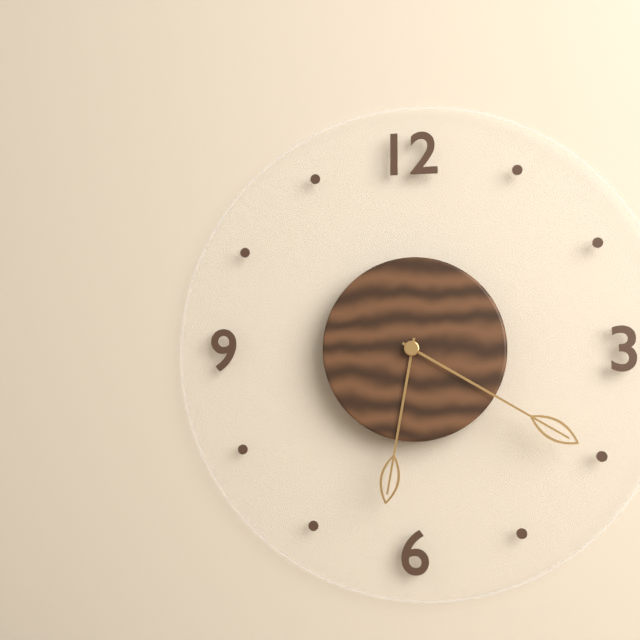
6:20
